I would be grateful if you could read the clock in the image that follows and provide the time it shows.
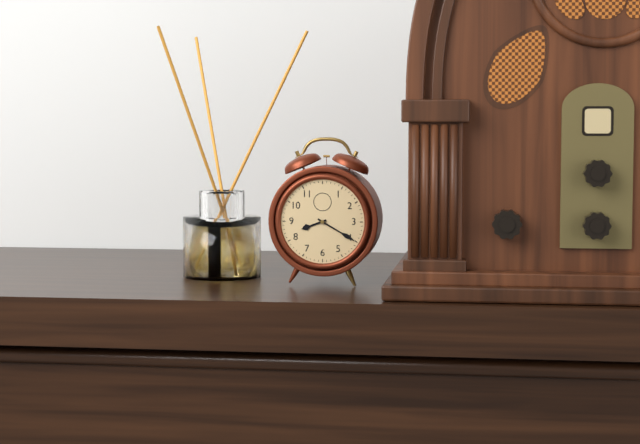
8:20
